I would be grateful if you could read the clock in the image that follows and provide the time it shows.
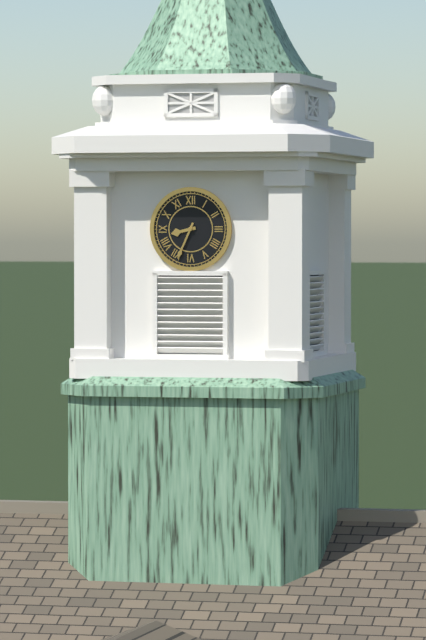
8:34
